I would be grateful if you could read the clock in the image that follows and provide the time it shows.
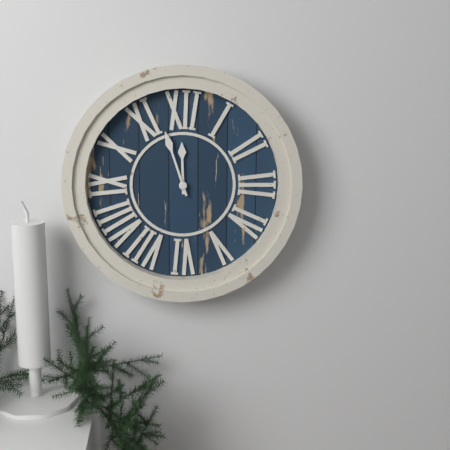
11:57
